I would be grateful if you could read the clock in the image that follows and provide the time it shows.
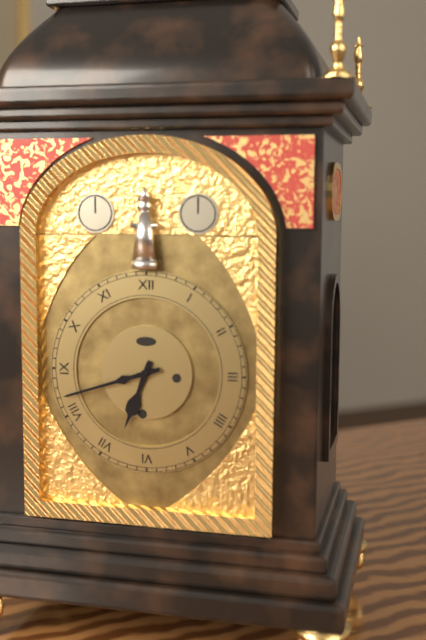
6:42
